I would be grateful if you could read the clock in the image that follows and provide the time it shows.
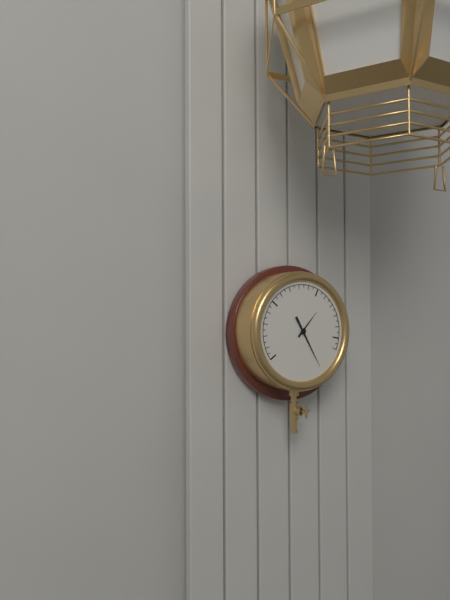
1:25
